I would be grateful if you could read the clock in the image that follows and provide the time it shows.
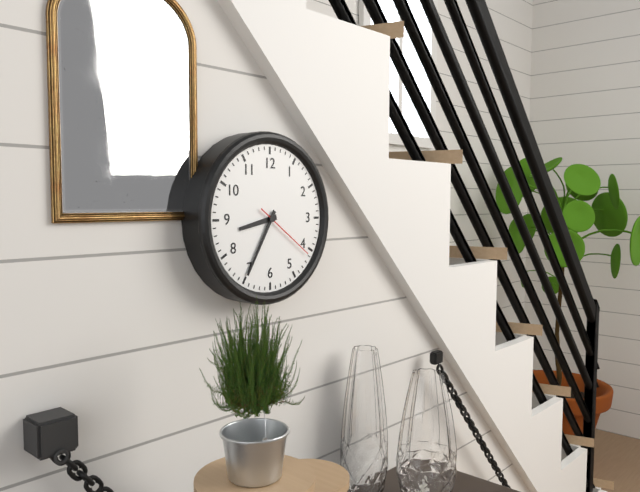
8:35:21
